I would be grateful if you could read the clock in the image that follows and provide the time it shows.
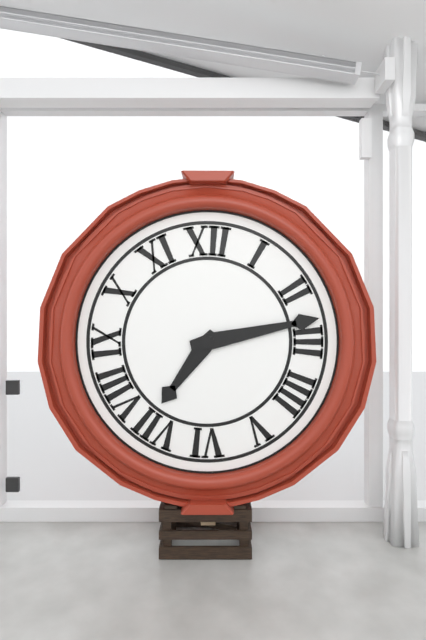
7:13
